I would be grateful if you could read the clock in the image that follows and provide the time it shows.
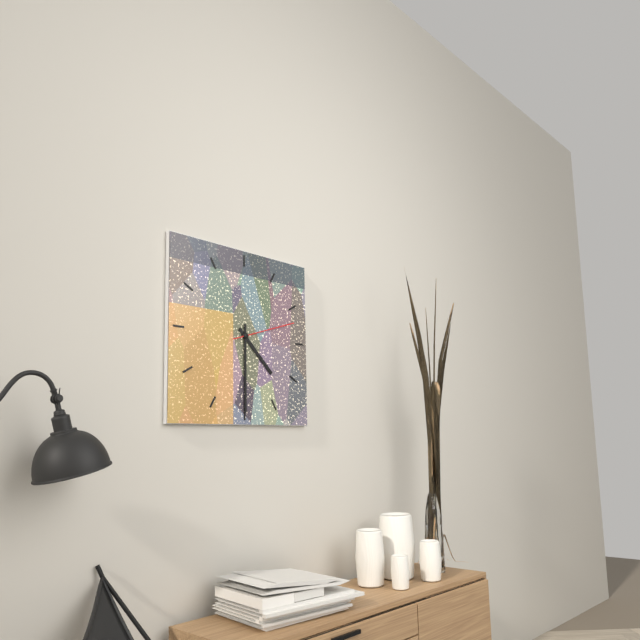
4:30:12
